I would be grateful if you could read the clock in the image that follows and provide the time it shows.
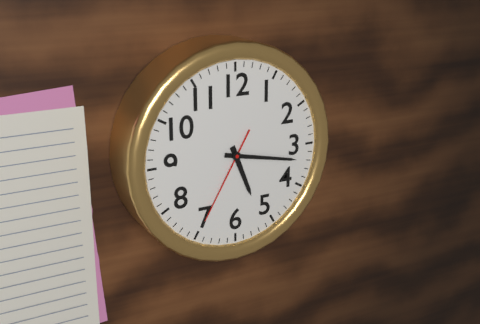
5:17:35
